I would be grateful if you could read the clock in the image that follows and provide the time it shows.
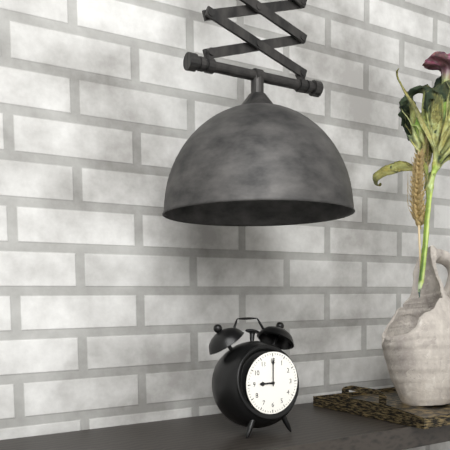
9:00
